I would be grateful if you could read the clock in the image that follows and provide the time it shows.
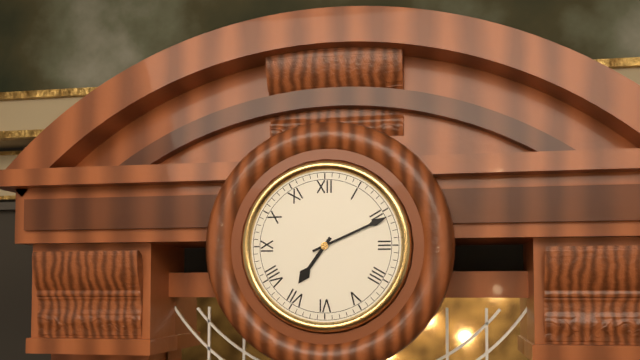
7:11
